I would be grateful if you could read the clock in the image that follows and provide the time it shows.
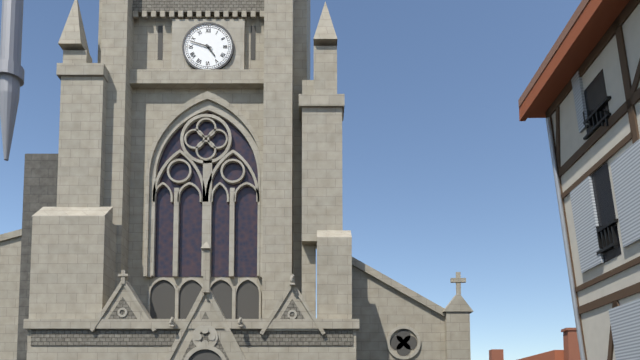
4:48
